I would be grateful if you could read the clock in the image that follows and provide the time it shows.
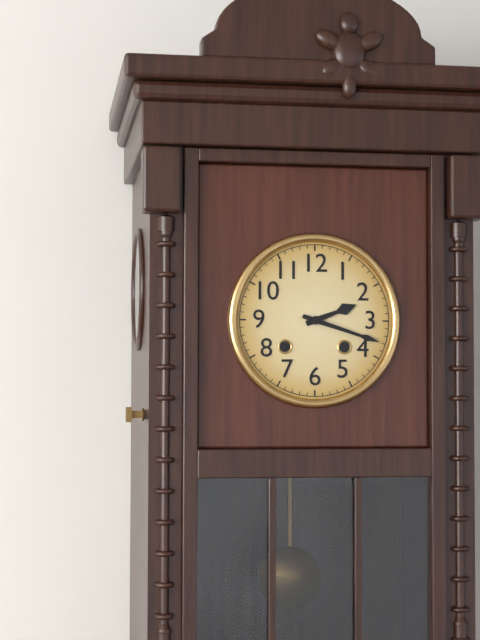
2:18
